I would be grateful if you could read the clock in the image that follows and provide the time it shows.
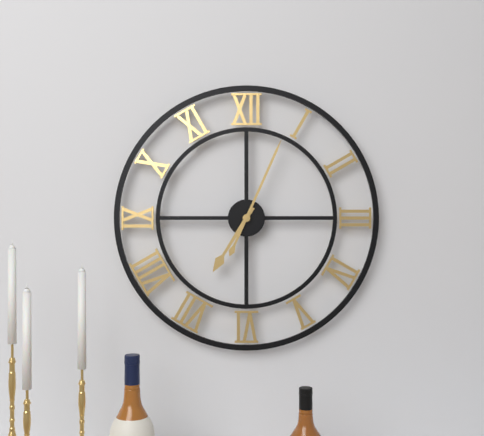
7:04
